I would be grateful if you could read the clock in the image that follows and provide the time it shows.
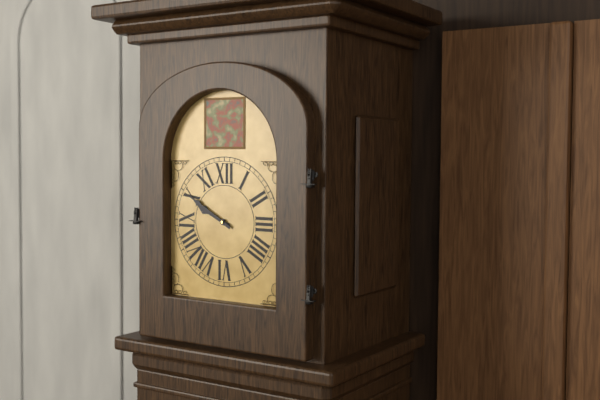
9:50
